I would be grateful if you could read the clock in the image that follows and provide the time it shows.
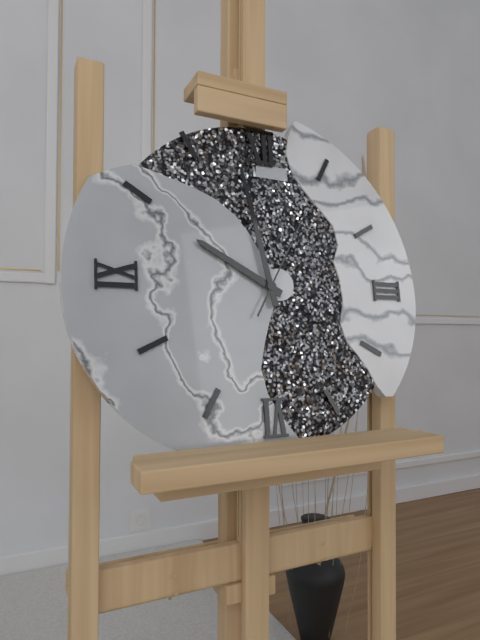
9:58:05
